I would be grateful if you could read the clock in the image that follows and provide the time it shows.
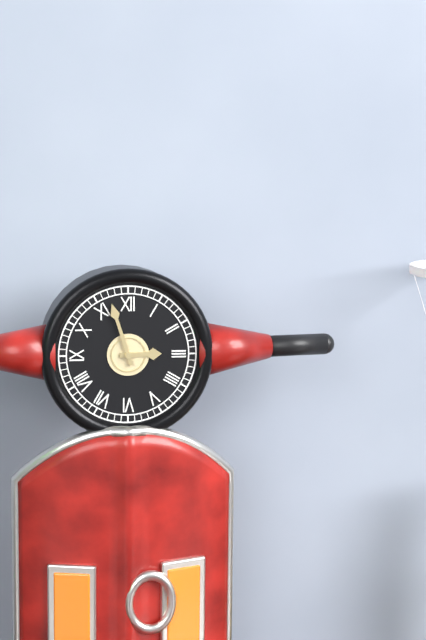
2:57
